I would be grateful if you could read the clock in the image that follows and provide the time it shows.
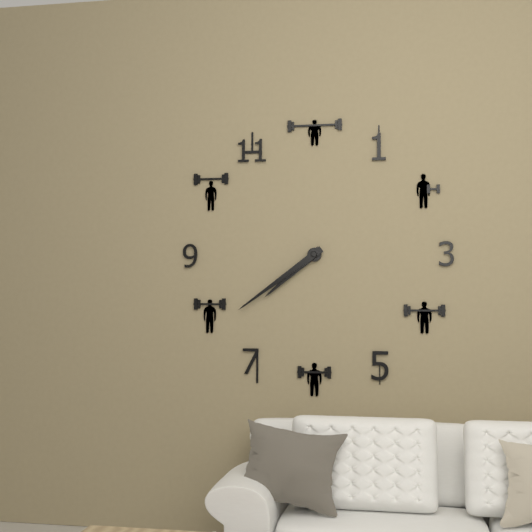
7:39
